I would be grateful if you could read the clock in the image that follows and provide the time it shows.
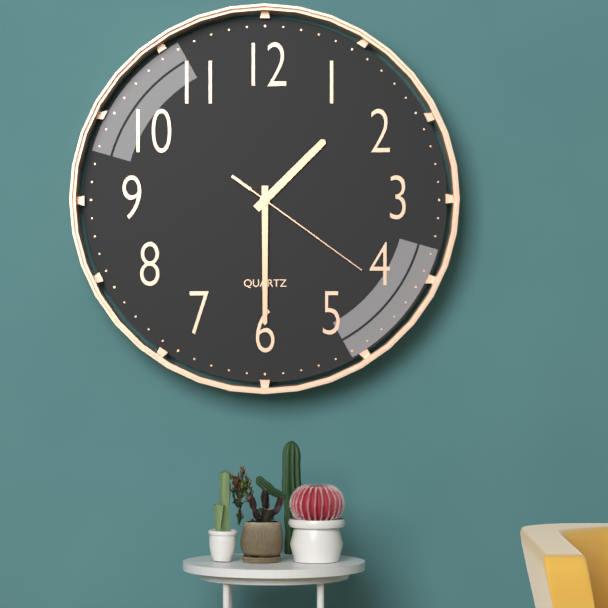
1:30:21
